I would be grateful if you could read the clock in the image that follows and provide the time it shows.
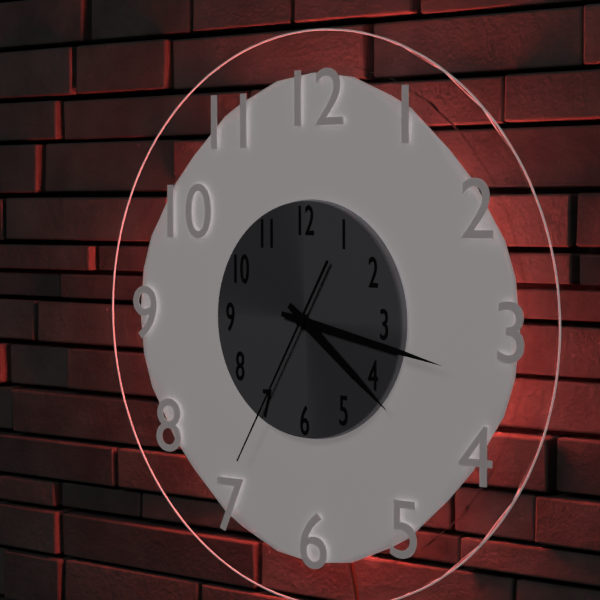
4:17:35
